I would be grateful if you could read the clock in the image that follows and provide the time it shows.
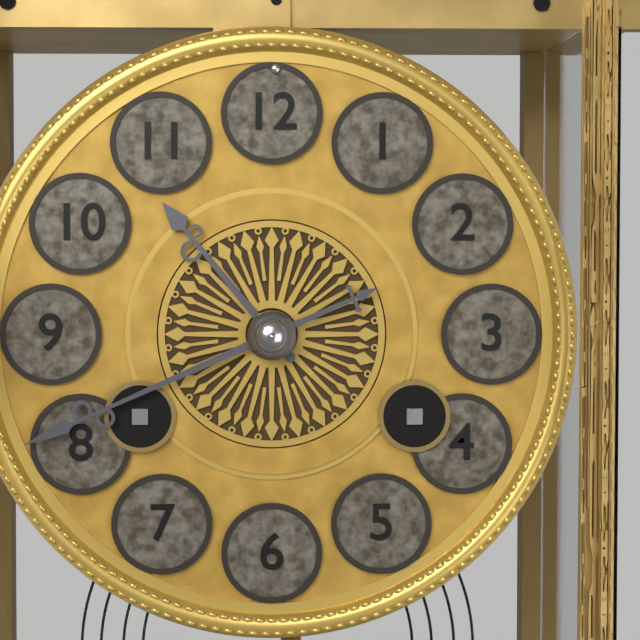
10:41
